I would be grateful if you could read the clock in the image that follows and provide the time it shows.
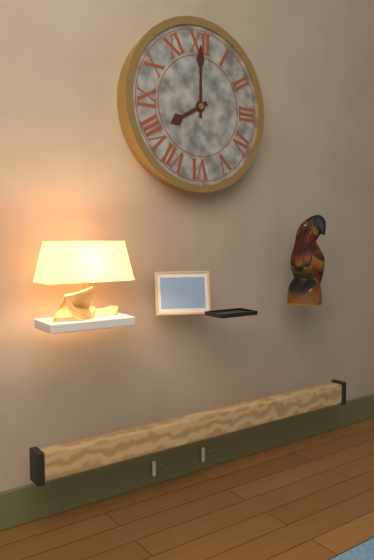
8:00
